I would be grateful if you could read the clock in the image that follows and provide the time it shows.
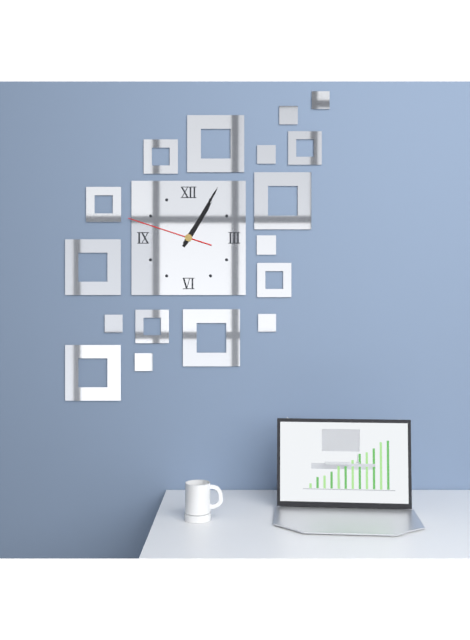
1:05:48
